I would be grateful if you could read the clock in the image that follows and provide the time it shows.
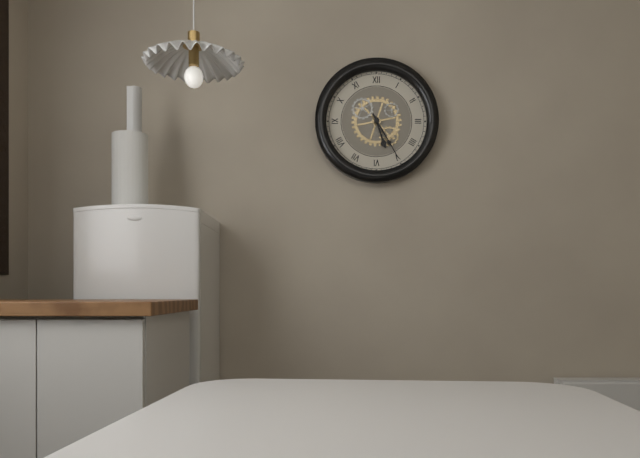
5:25
